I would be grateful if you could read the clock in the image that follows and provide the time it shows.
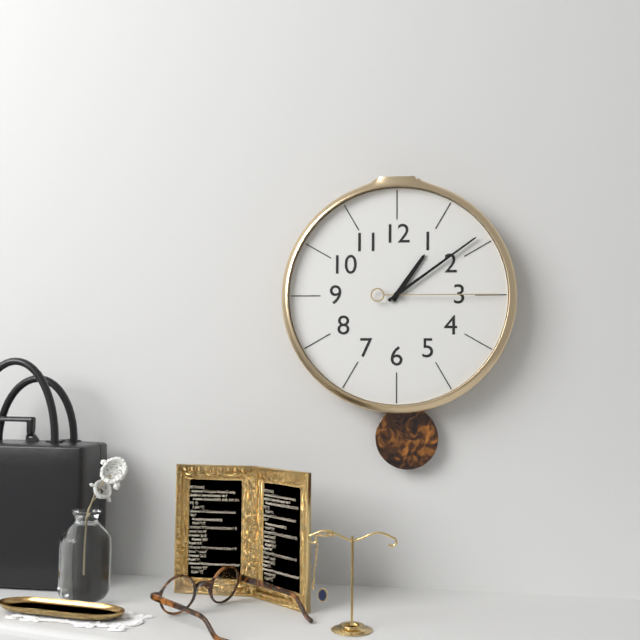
1:09:15
